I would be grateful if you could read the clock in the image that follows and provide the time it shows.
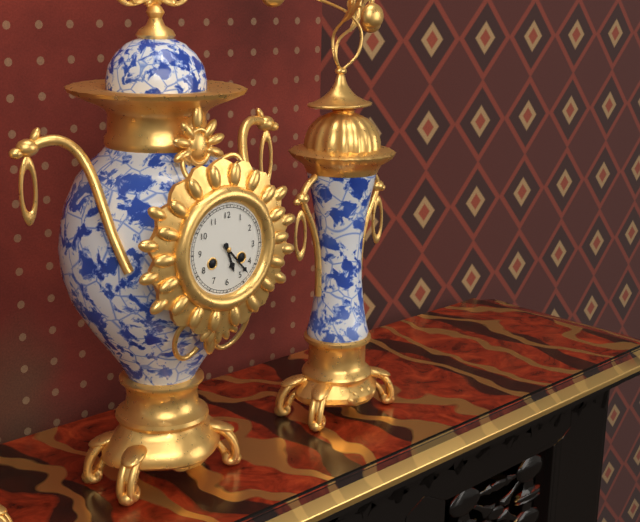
5:23
